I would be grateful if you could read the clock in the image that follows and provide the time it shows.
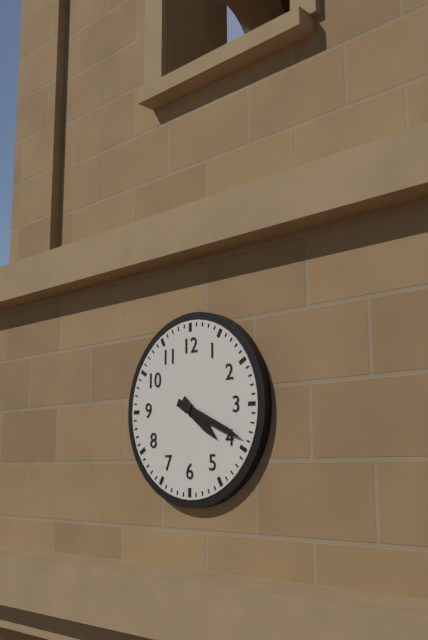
4:19
